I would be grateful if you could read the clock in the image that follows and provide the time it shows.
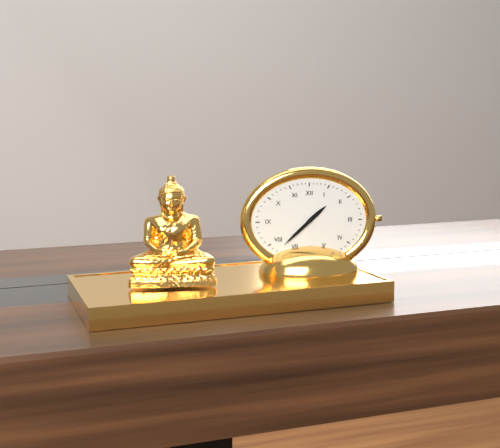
1:38
